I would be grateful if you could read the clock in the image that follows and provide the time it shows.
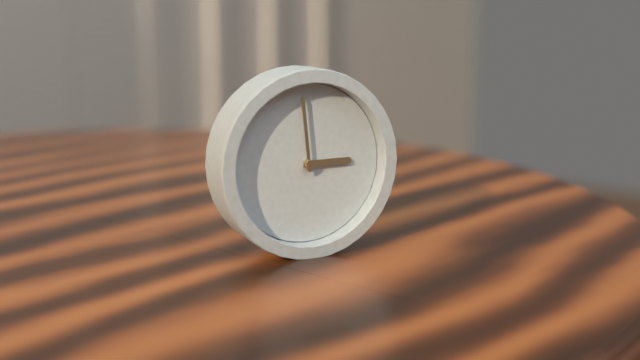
2:59
